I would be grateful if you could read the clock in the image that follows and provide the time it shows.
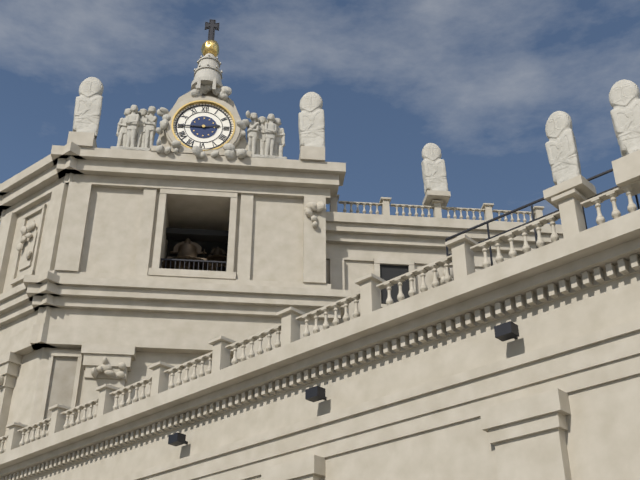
2:45
